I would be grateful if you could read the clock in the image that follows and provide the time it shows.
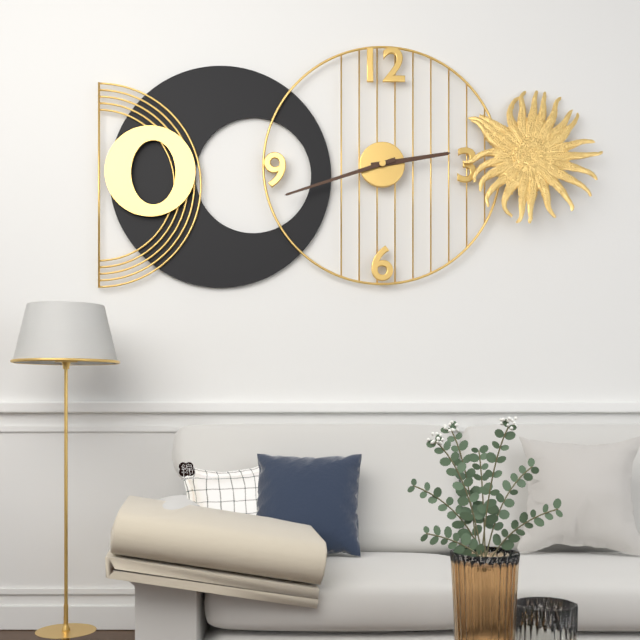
2:42
